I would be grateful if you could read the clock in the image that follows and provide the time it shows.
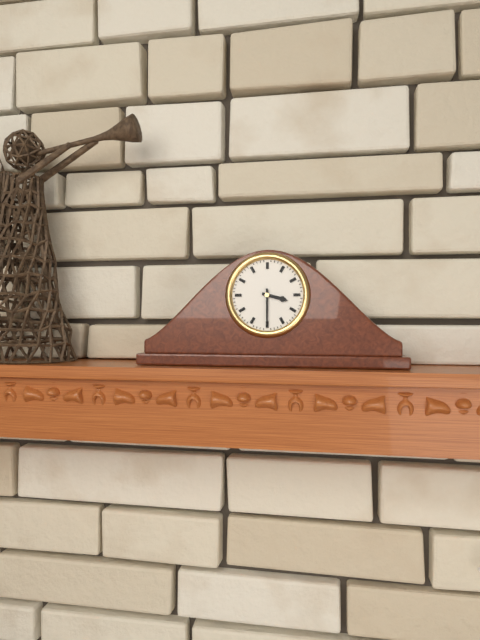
3:30
